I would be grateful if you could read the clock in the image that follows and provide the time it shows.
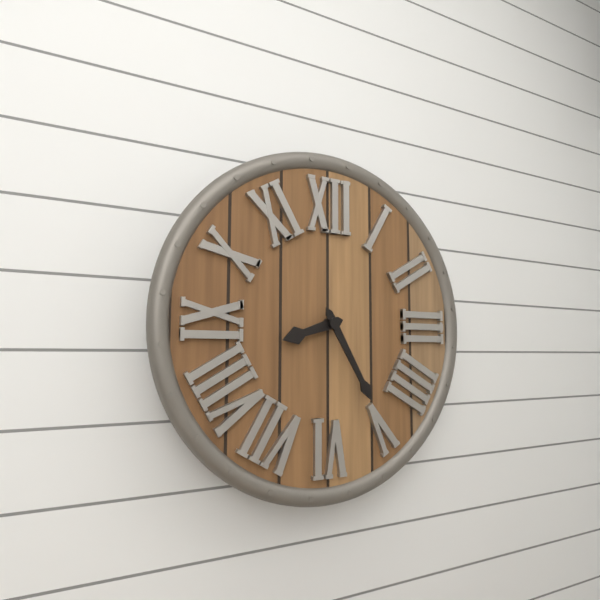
8:25
